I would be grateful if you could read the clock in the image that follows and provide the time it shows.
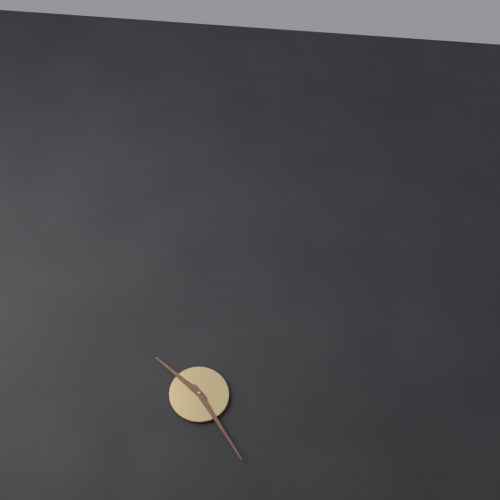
10:25
